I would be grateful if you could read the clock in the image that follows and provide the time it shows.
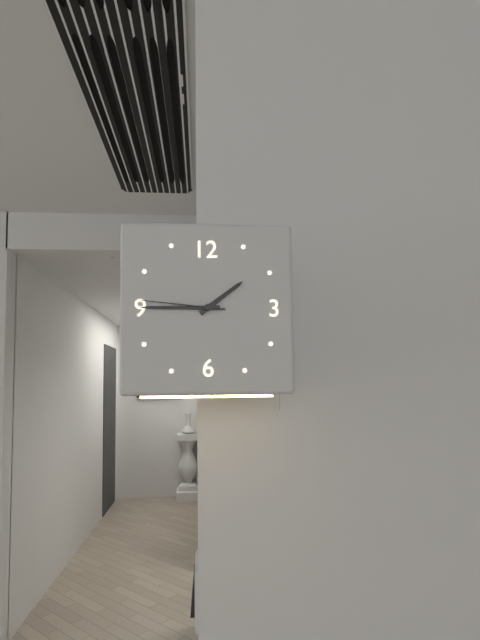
1:45:46
